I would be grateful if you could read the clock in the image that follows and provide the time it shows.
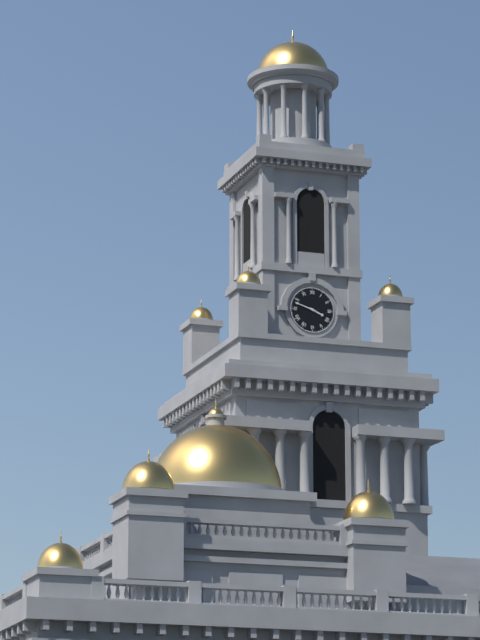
3:48
